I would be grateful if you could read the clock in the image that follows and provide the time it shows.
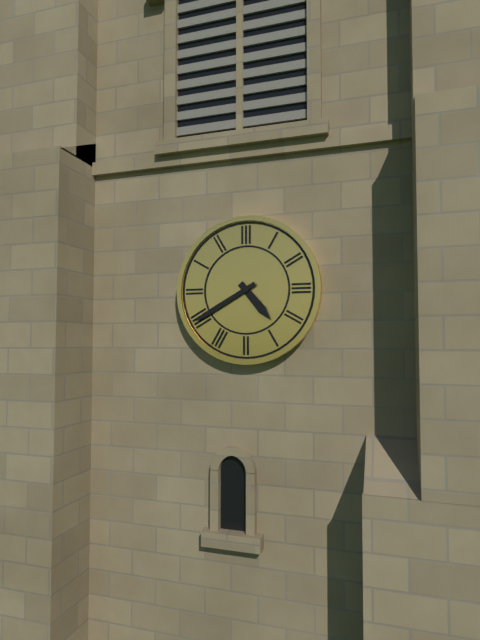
4:40
